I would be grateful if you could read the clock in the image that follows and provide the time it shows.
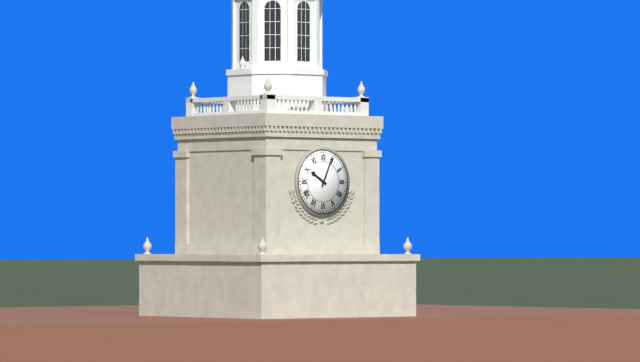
10:04
